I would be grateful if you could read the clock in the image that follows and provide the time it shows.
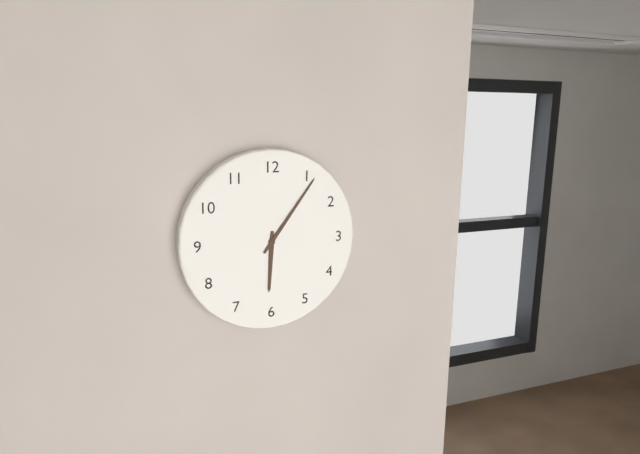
6:06
